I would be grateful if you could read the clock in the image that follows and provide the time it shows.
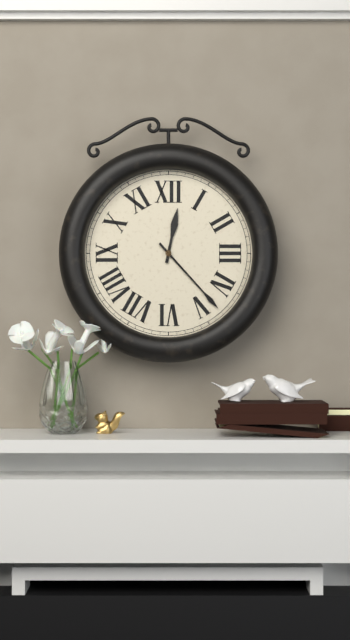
12:23
